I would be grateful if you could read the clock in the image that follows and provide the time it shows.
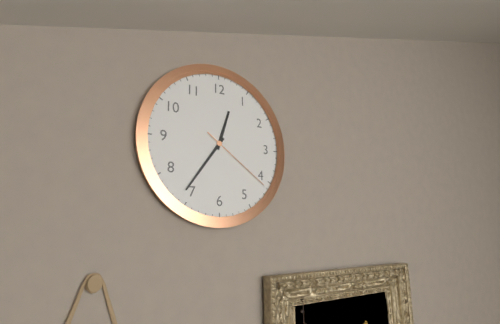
12:36:21
